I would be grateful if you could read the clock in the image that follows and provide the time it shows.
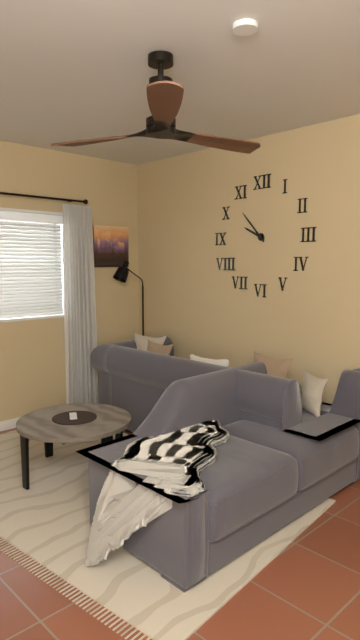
9:53
